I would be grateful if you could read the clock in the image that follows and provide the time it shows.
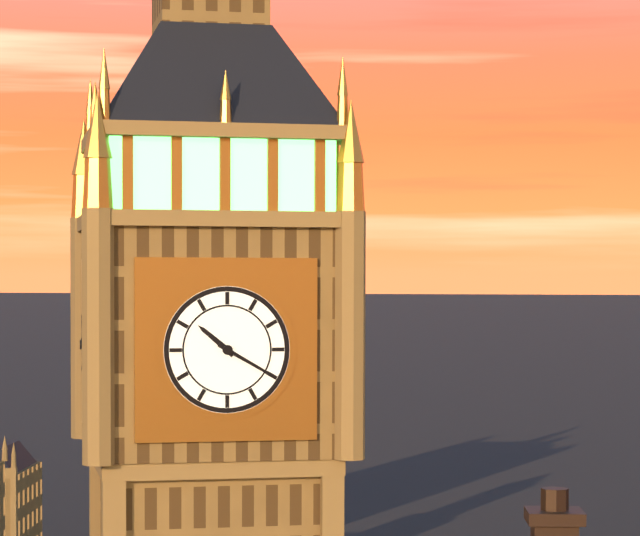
10:20
